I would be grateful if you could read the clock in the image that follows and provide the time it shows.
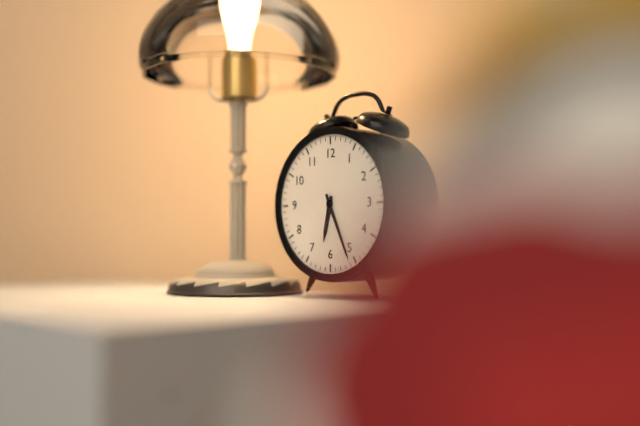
6:26
